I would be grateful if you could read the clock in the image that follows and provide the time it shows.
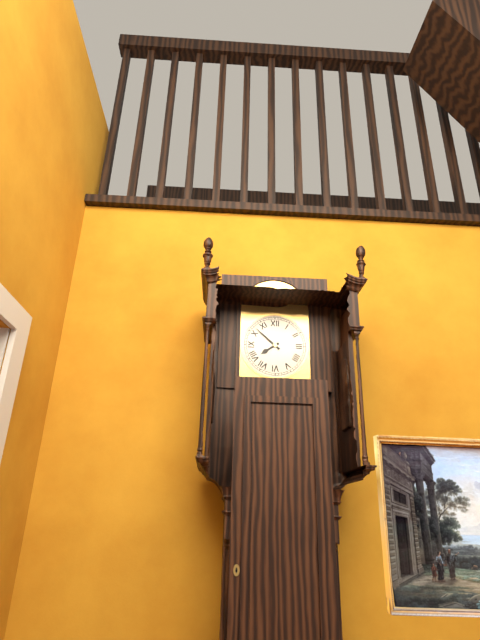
7:52
